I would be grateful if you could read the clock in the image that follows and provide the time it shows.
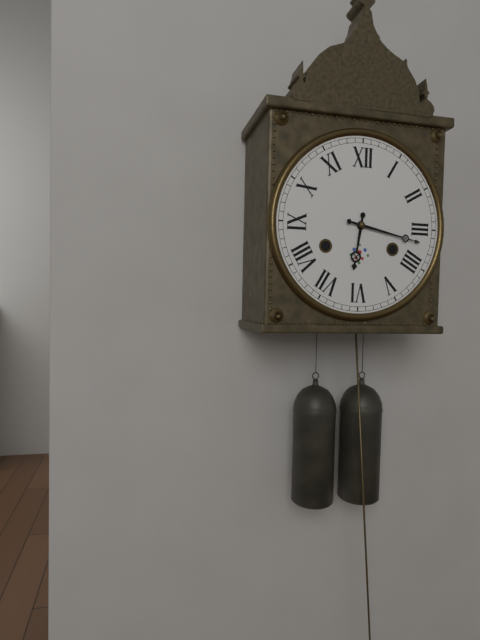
6:17
